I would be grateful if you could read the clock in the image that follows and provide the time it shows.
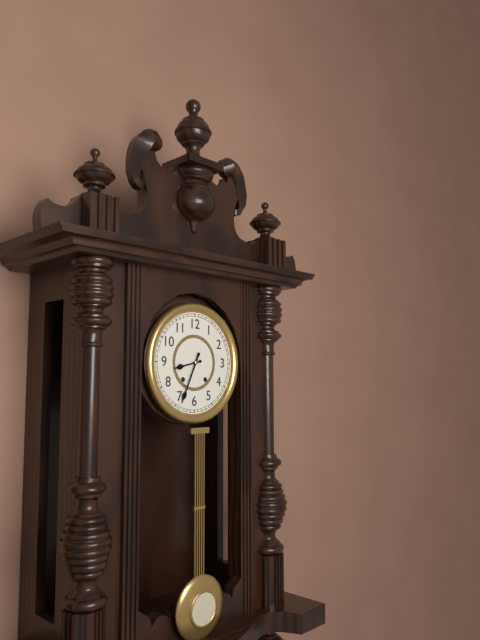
8:34
